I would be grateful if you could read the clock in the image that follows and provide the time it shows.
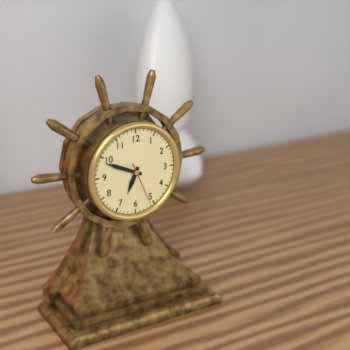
6:49
